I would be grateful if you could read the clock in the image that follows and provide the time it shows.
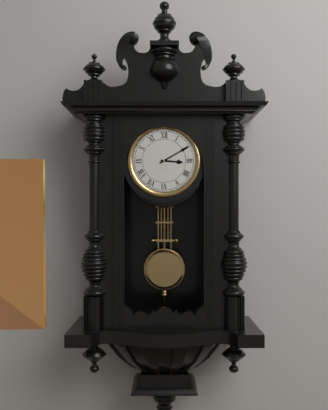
3:10
